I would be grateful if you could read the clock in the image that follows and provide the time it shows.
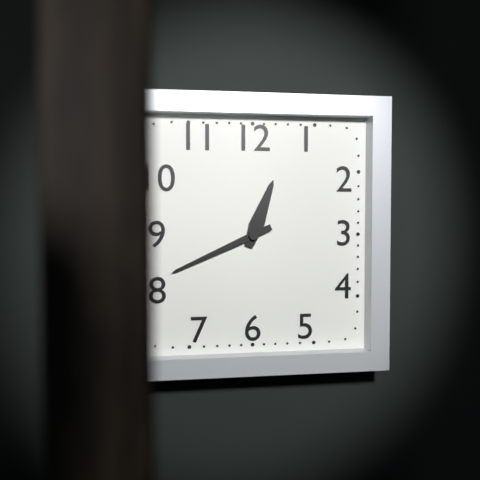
12:41
